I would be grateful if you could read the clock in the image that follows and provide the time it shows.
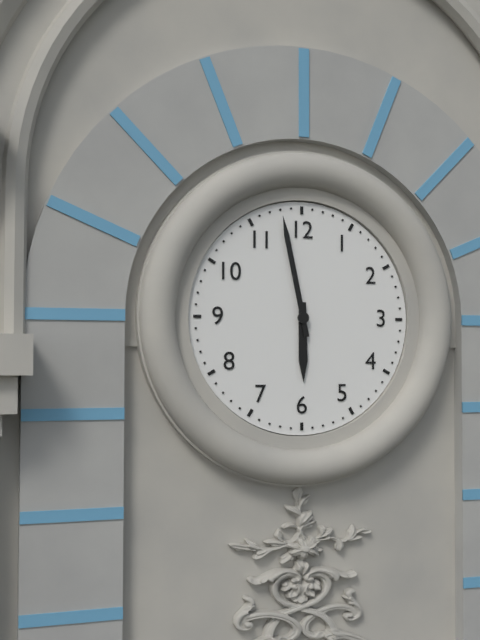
5:58
